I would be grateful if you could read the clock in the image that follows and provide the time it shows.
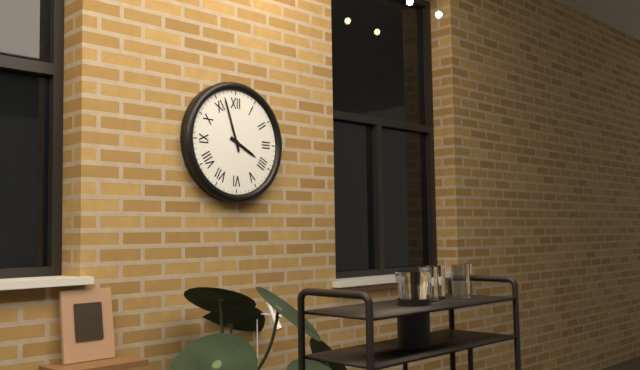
3:57
